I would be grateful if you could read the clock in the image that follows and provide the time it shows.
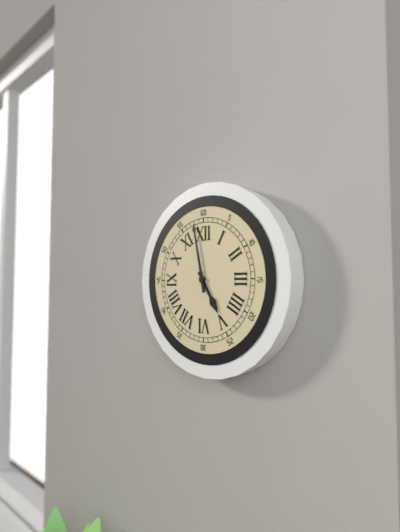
4:58
